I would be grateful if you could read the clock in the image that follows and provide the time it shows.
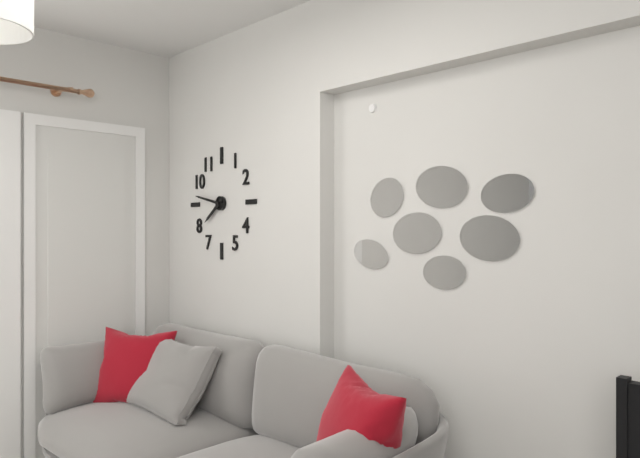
7:47
